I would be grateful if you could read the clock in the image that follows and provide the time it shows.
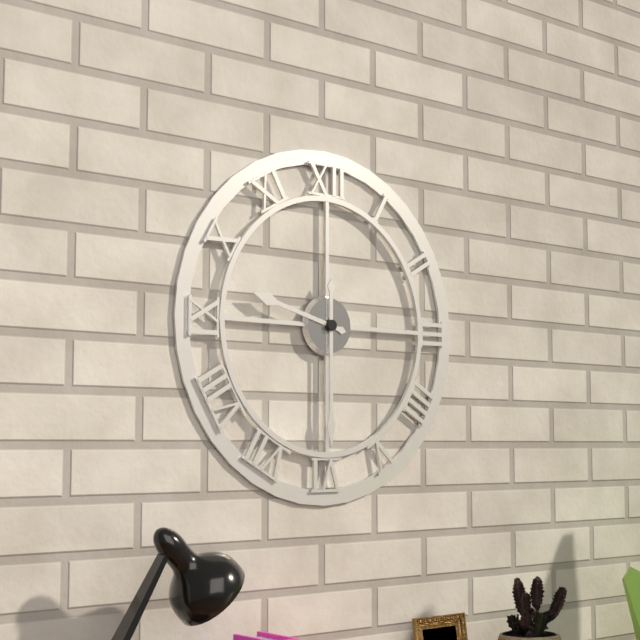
9:30
